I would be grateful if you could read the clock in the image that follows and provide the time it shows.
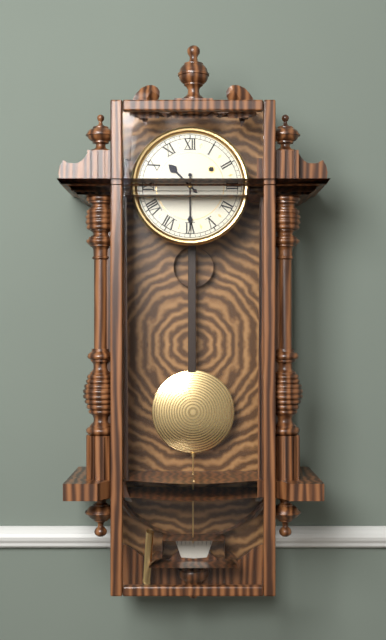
10:30
